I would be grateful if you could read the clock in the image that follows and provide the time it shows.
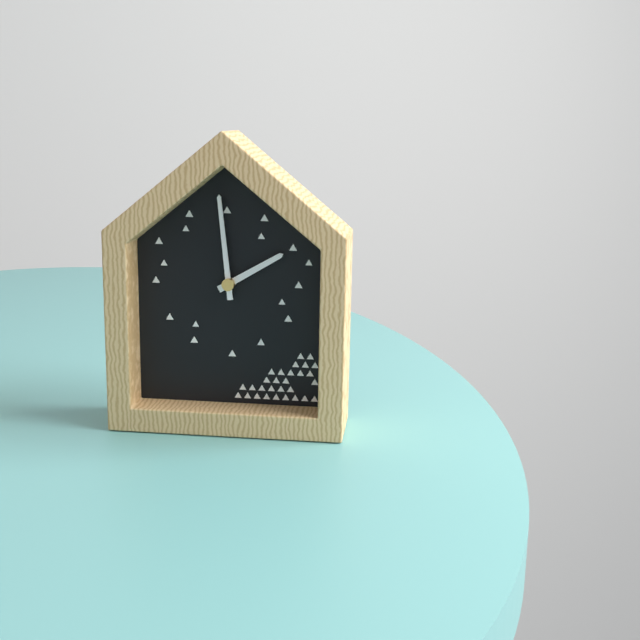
1:59
